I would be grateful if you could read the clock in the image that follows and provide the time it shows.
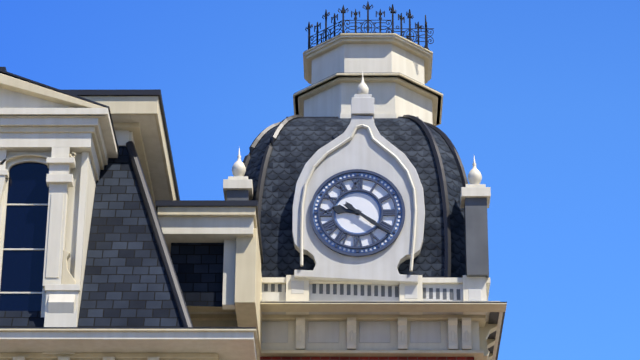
9:21
